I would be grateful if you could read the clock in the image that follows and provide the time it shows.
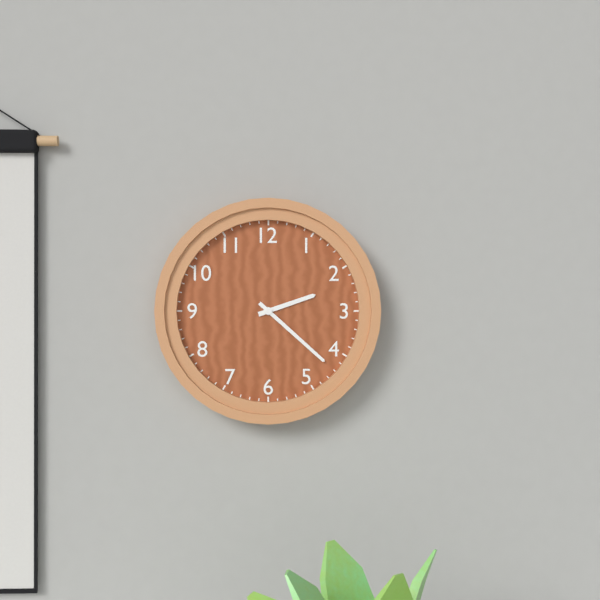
2:22
